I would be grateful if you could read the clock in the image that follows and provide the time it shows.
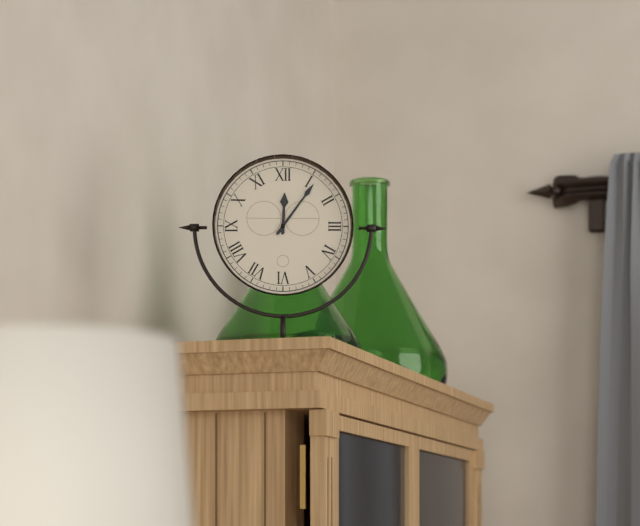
12:06
